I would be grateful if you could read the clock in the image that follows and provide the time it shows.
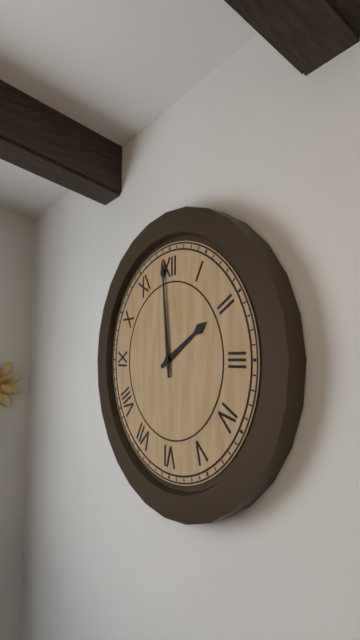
1:59
